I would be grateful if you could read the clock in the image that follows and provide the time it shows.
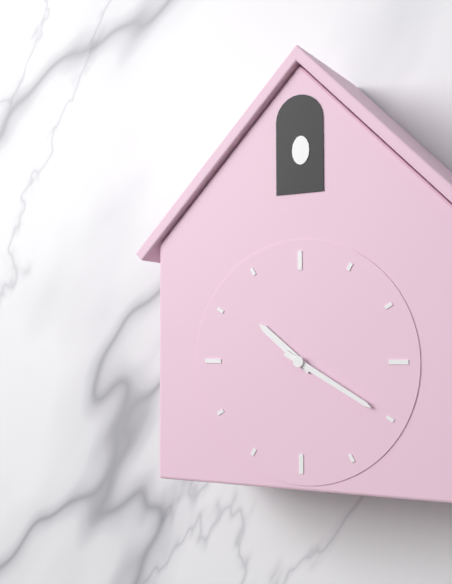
10:20
